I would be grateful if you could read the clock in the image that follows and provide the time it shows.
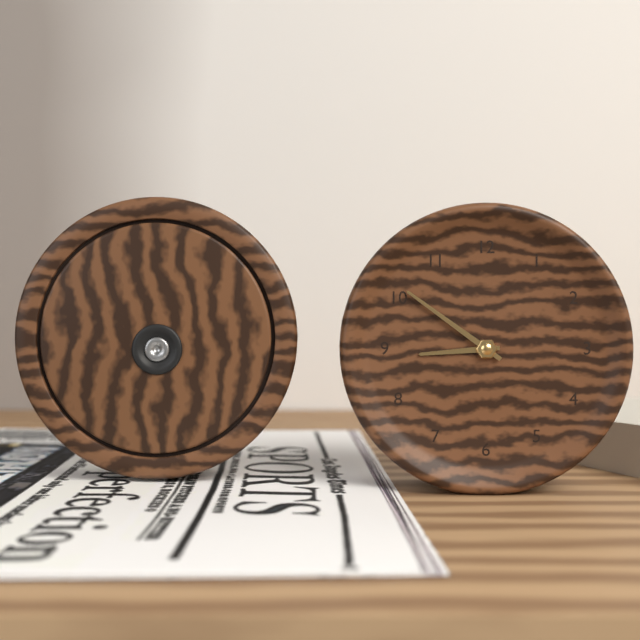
8:51
